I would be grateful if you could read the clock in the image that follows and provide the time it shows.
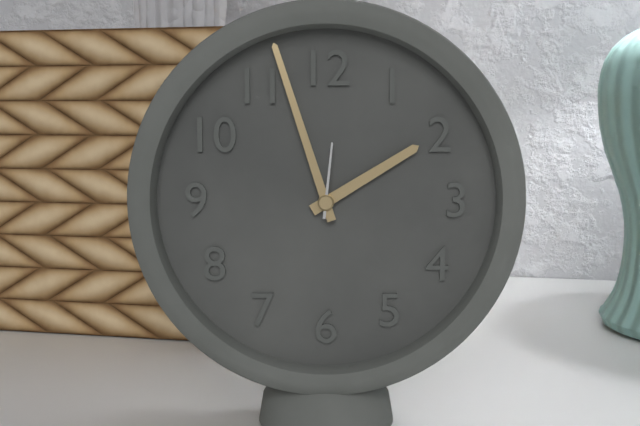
1:57:01
